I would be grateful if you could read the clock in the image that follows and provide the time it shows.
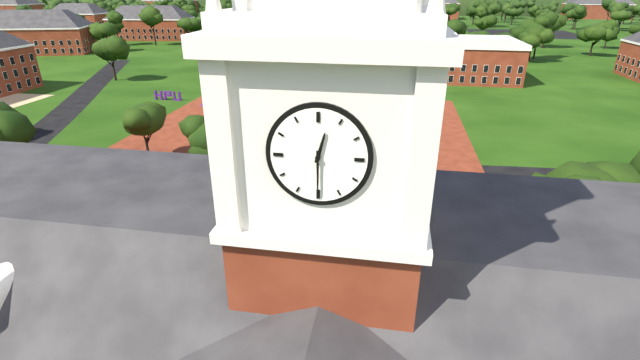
12:30
